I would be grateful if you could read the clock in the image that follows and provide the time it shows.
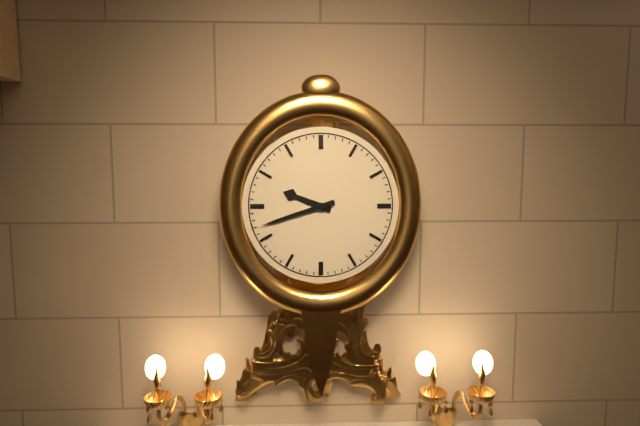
9:42
